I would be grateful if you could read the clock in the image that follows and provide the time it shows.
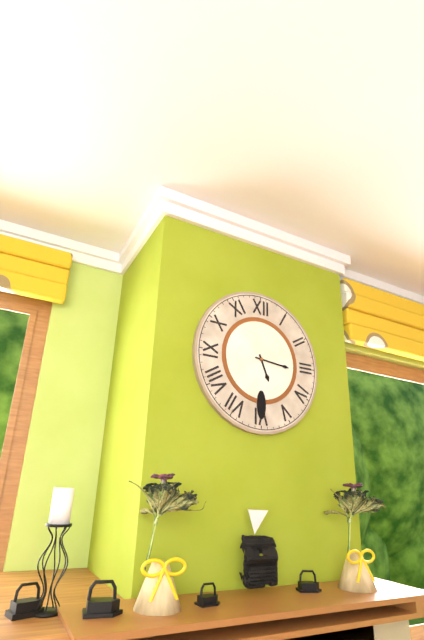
5:16
